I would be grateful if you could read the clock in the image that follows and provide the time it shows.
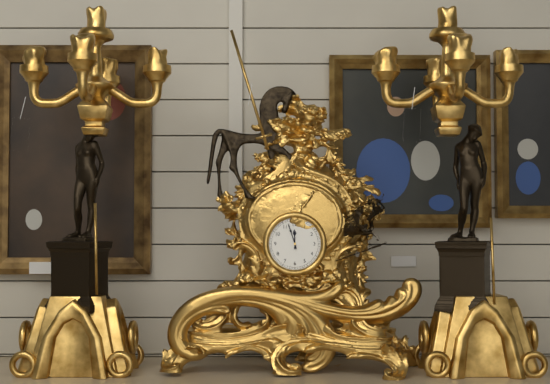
11:57
